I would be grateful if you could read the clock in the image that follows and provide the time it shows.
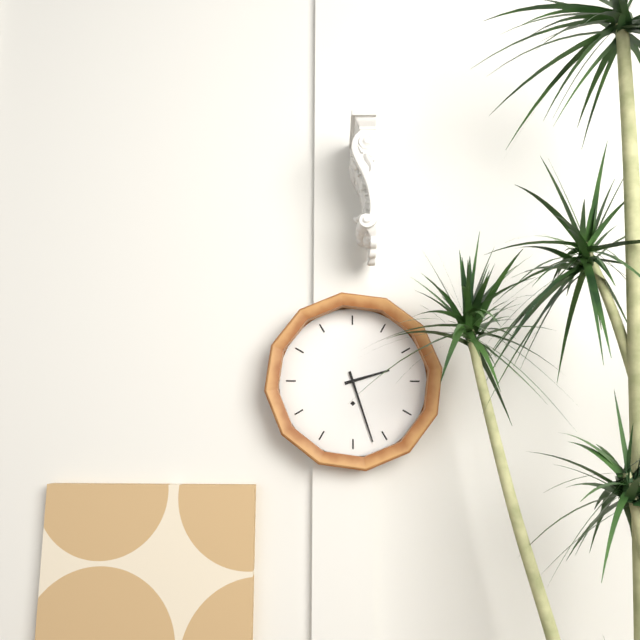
2:27
